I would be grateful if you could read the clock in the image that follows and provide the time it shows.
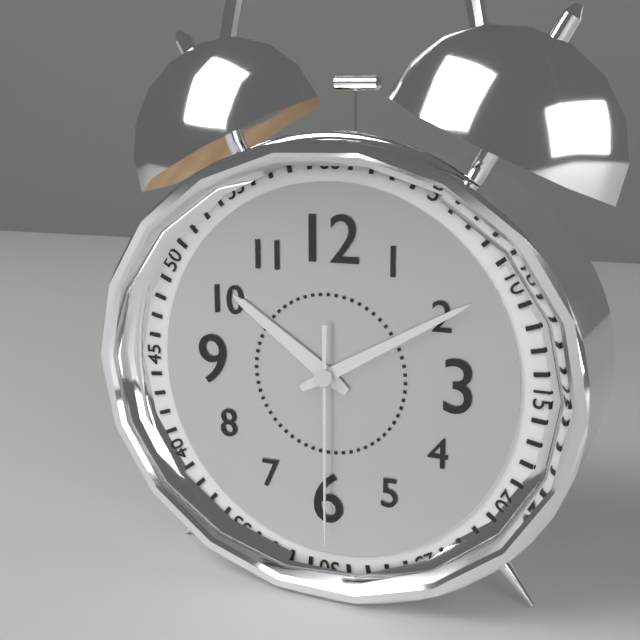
10:10:30
